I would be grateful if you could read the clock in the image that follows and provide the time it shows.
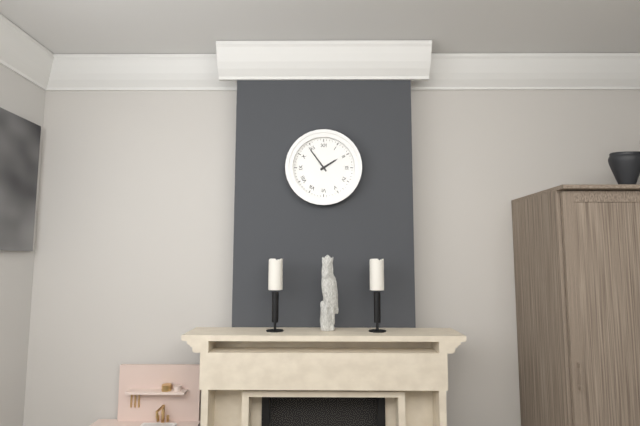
1:54
